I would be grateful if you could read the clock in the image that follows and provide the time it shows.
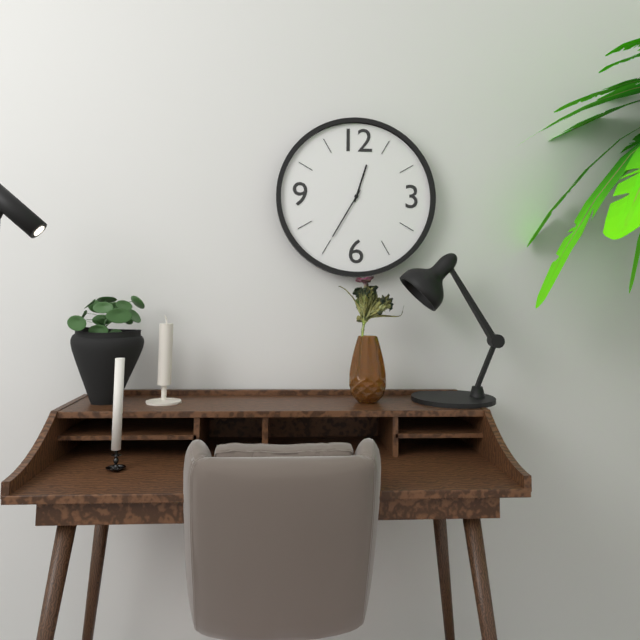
12:35
